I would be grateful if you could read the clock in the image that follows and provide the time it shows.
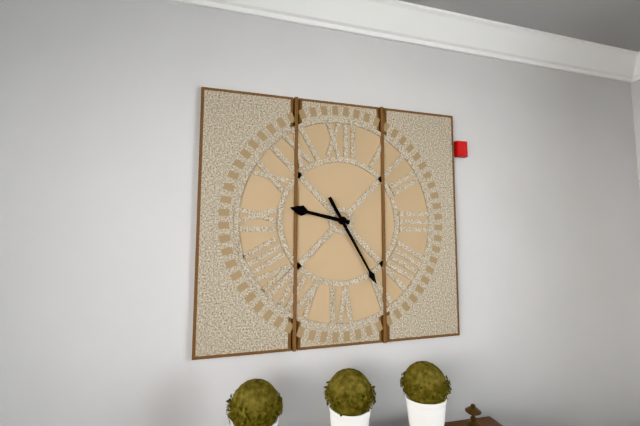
9:25
